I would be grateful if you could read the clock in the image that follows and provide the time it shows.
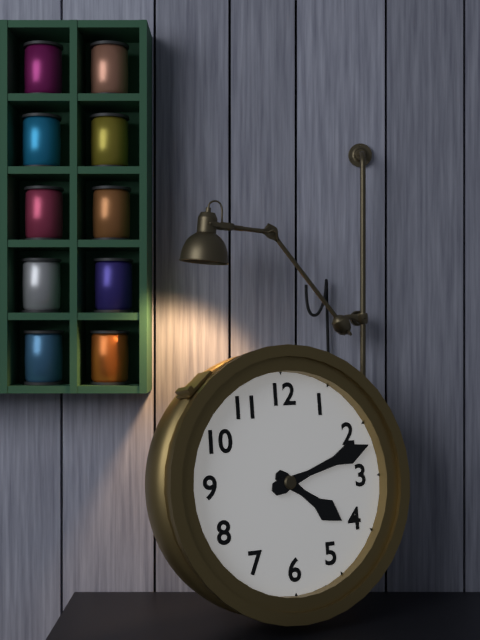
4:12
